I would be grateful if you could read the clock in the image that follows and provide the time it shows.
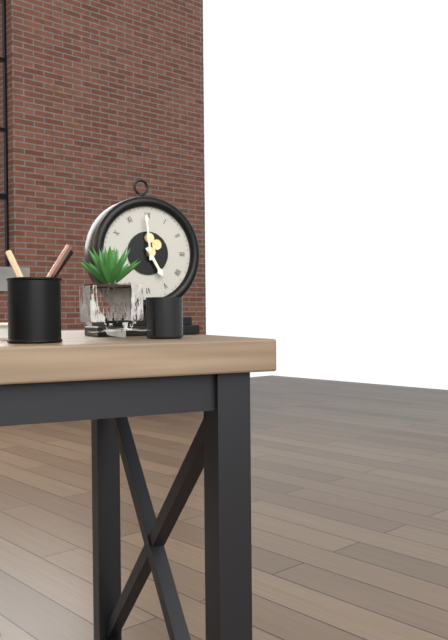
4:59
